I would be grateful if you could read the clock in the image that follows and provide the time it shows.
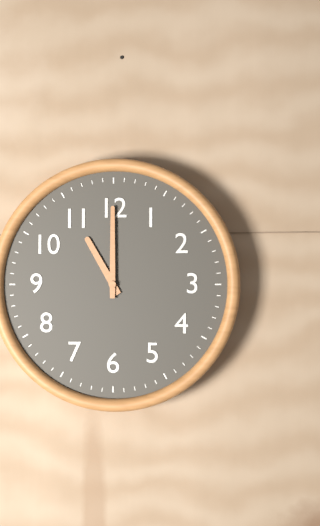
11:00
